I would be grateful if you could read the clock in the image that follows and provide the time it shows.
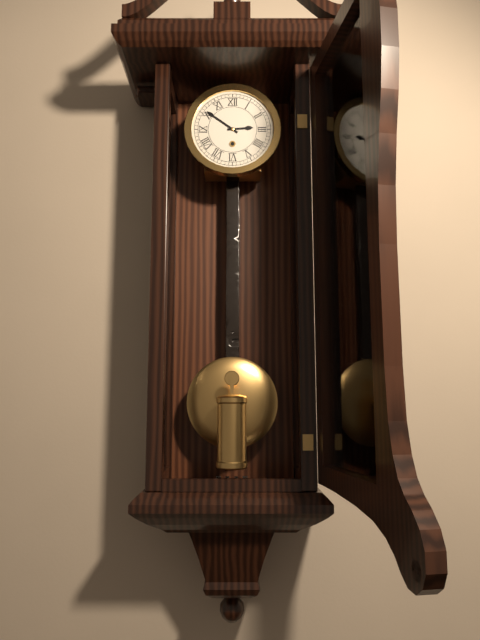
2:51
